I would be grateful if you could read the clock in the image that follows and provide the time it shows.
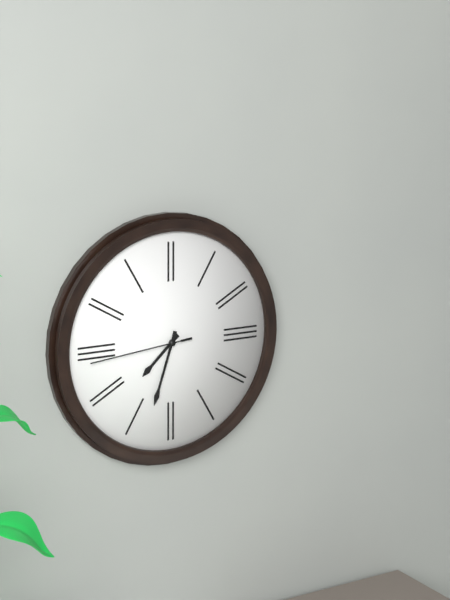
7:33:44
